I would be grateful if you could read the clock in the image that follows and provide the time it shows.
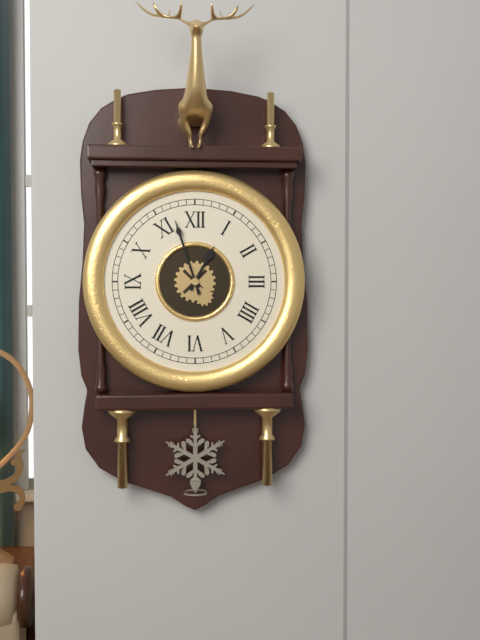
12:57
